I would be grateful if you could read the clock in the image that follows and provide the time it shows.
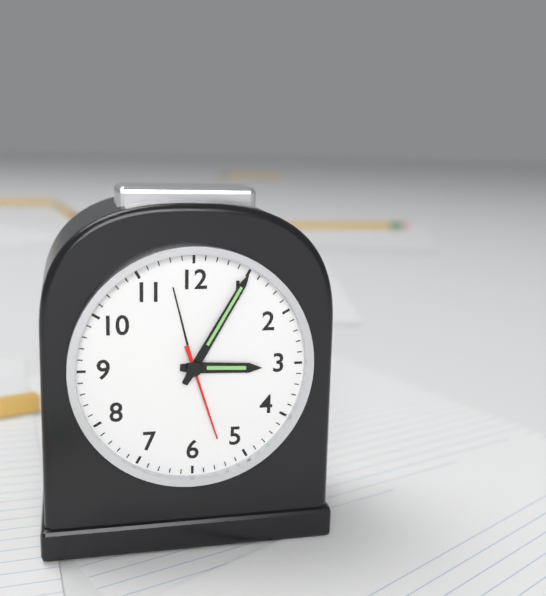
3:05:27
